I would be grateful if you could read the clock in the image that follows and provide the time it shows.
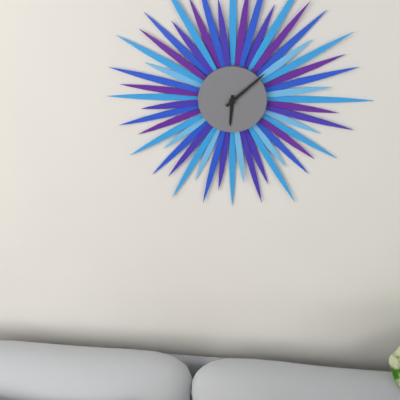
6:08
